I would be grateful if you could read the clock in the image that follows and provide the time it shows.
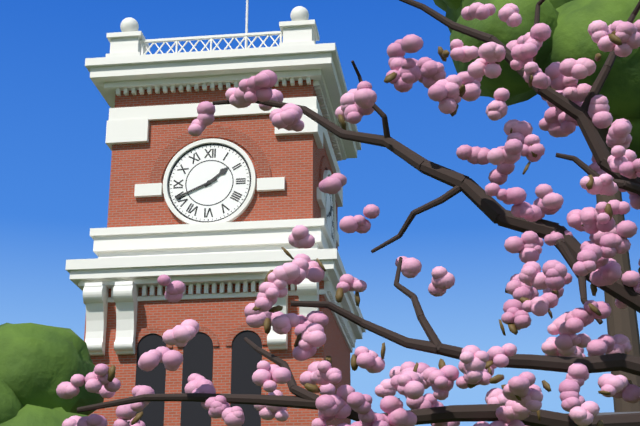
1:41
